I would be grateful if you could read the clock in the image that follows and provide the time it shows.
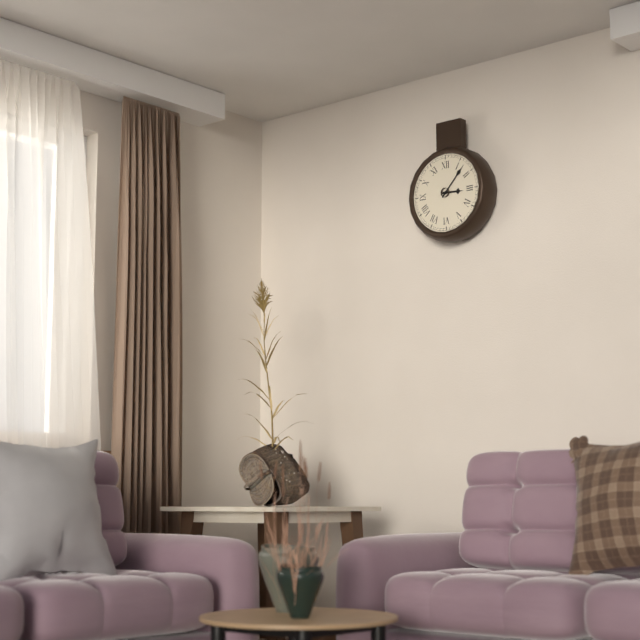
3:07
